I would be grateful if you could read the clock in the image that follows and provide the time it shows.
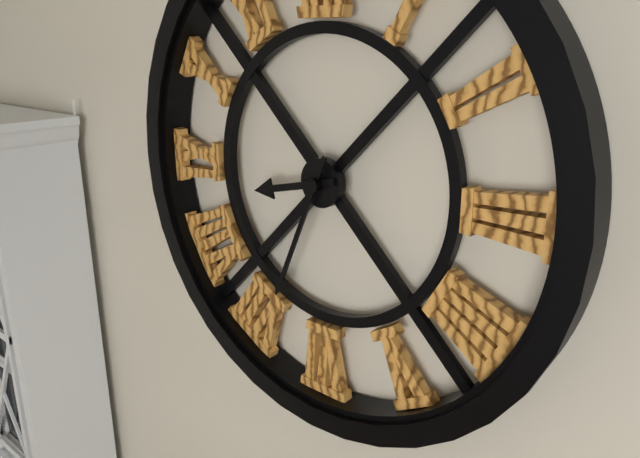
8:34
